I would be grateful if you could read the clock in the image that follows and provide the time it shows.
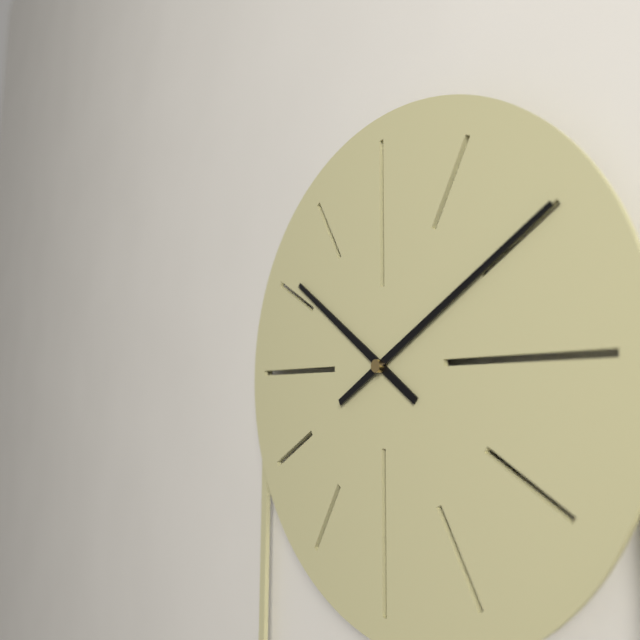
10:10
